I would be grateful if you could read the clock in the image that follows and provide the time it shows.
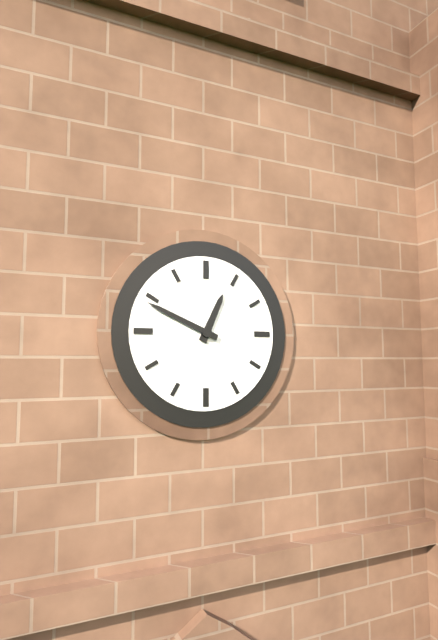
12:49
